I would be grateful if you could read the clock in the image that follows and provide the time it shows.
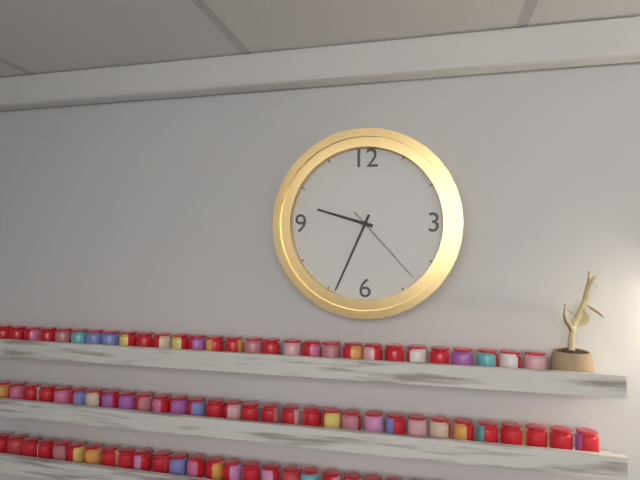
9:34:23
